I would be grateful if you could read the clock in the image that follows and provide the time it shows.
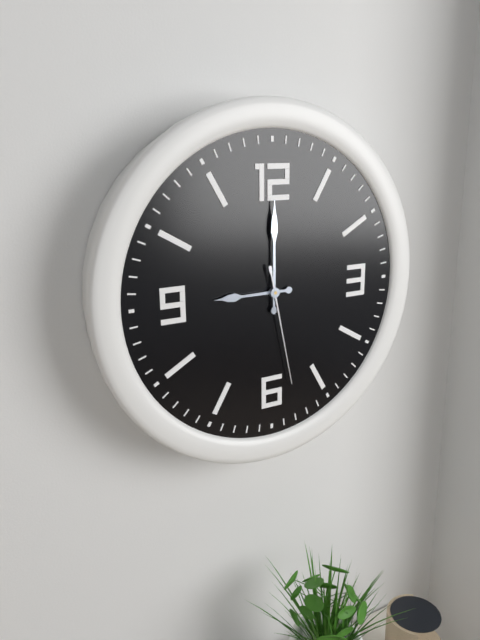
9:00:28
